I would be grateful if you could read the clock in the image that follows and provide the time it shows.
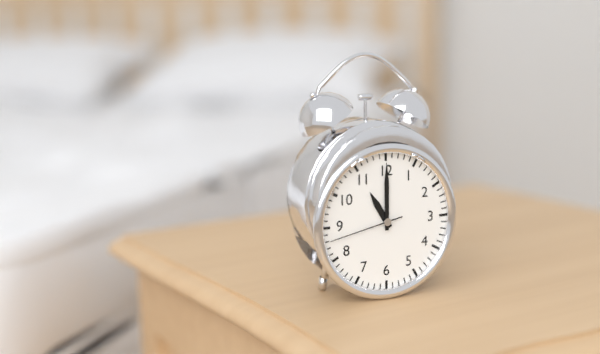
11:00:43
